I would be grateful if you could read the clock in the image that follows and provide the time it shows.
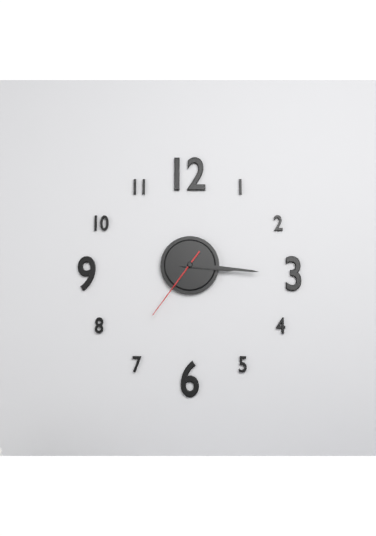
3:16:36
